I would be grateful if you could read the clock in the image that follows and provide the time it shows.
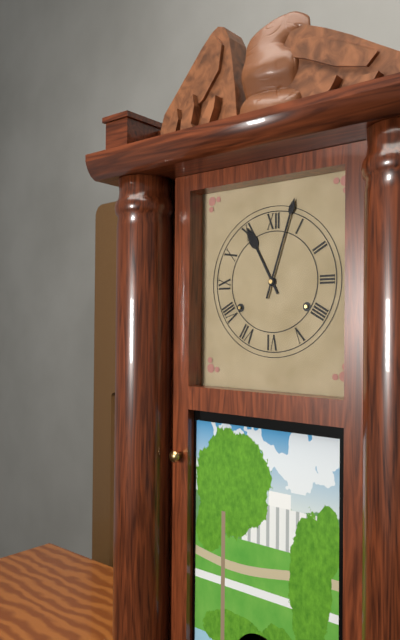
11:03
